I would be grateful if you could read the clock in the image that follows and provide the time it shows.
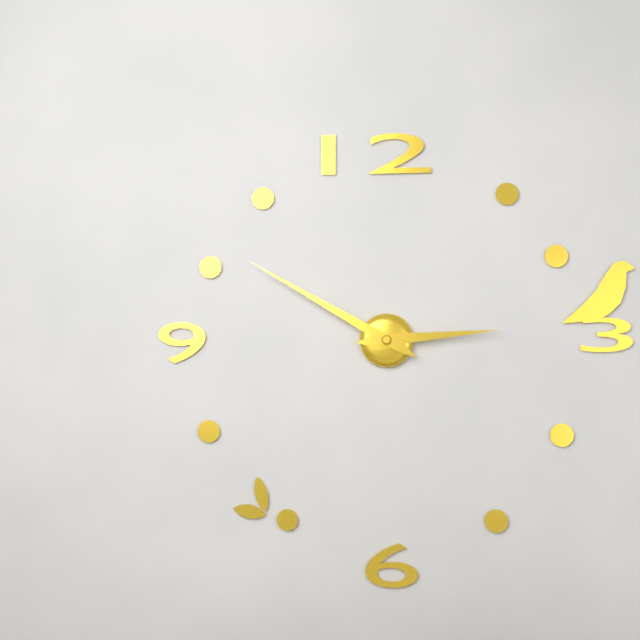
2:50
